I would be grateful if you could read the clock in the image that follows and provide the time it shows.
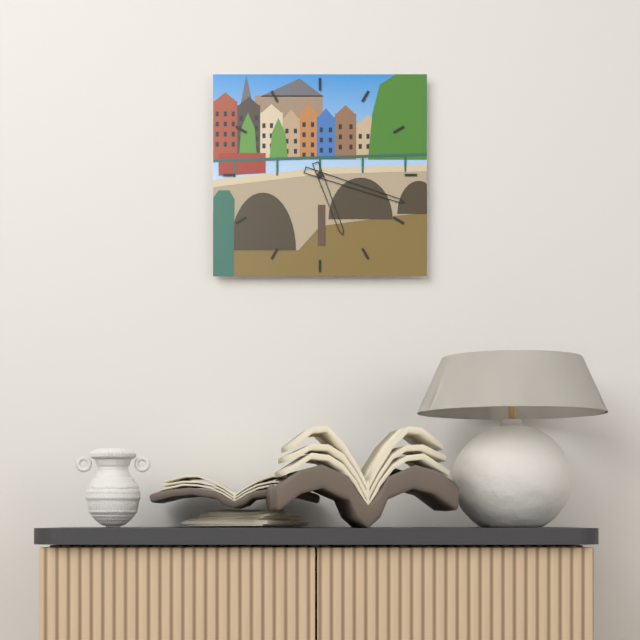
5:18
